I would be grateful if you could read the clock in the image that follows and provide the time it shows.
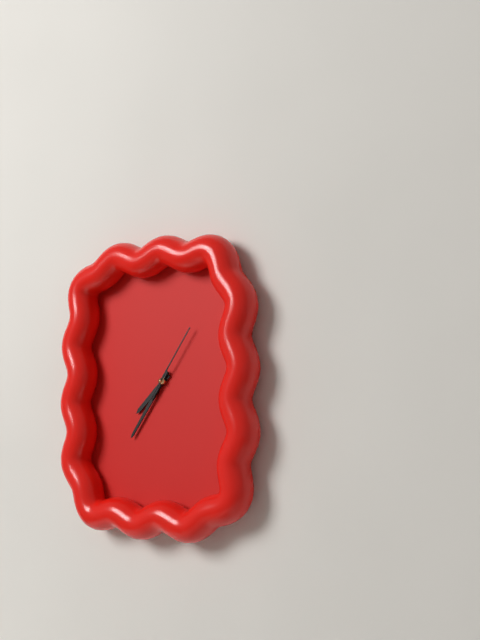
7:36:06
